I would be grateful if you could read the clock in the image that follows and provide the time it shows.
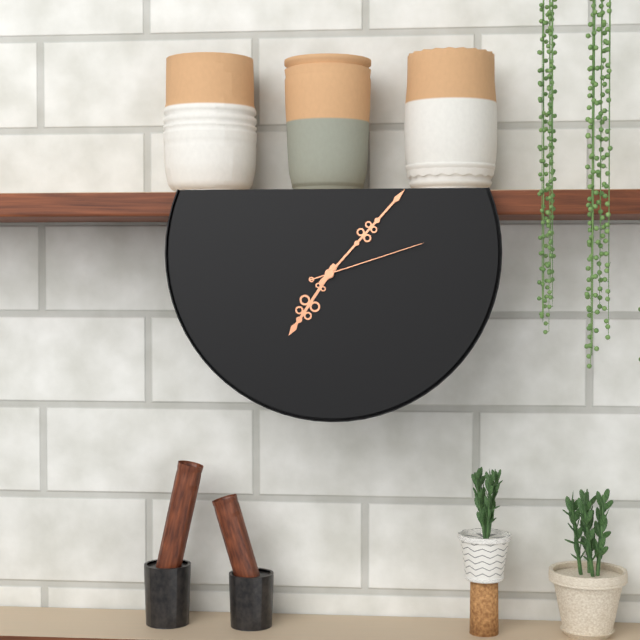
7:07:12
